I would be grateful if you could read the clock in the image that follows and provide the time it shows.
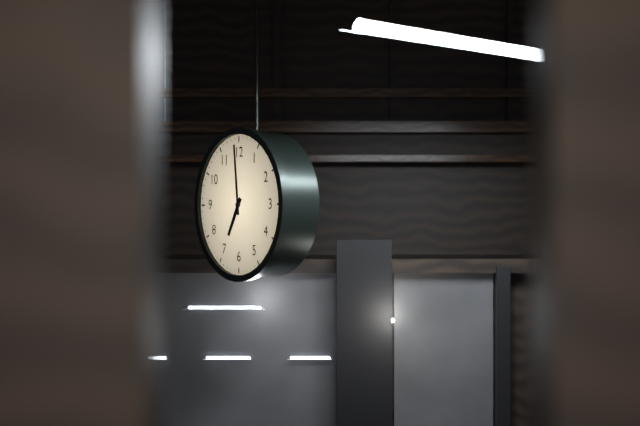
6:59
